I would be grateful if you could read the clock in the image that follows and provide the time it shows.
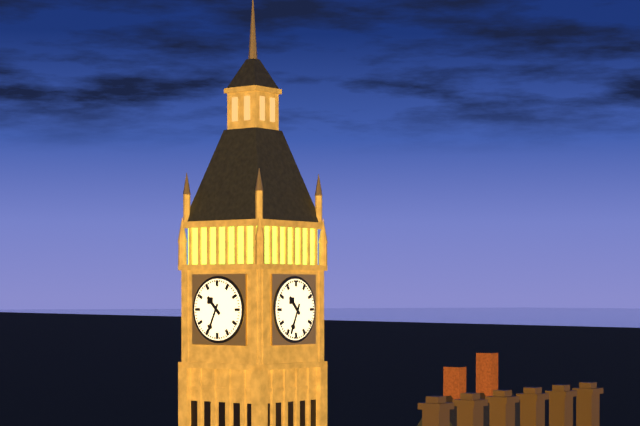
10:34
